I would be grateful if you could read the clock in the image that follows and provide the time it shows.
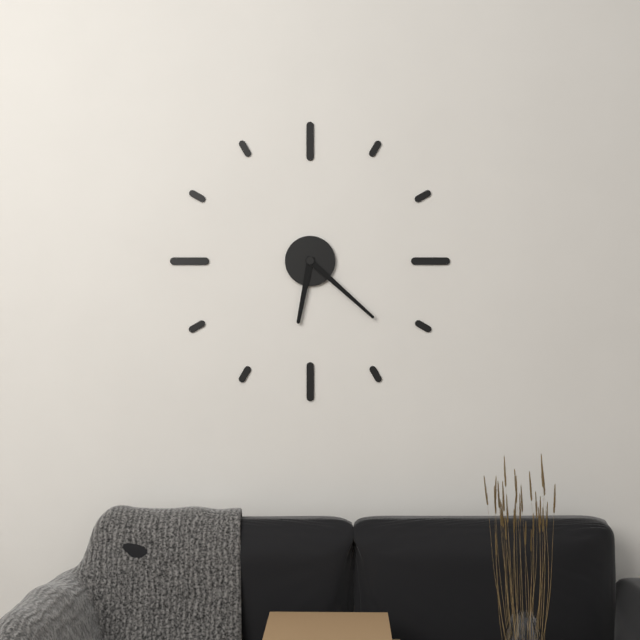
6:22
